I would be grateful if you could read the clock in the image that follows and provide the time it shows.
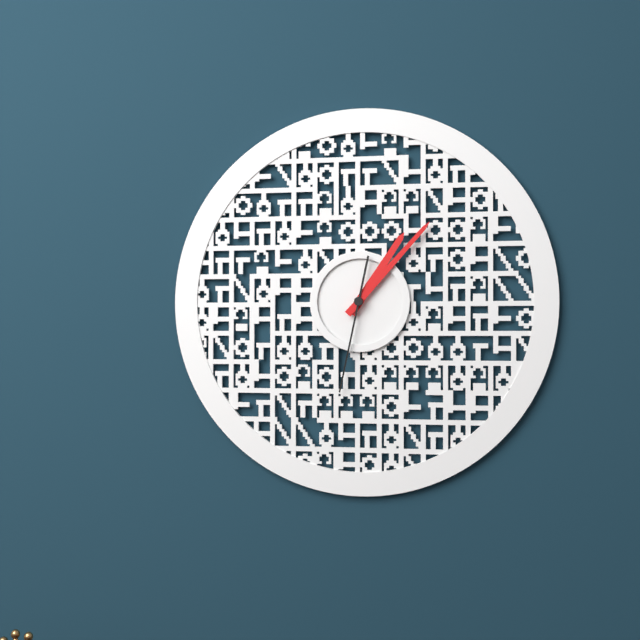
1:07:32
